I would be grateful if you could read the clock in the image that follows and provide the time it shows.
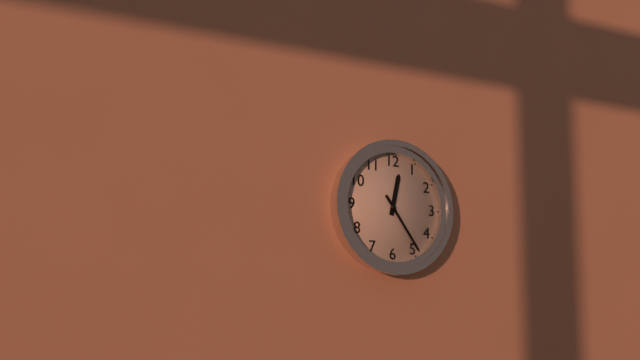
12:24
